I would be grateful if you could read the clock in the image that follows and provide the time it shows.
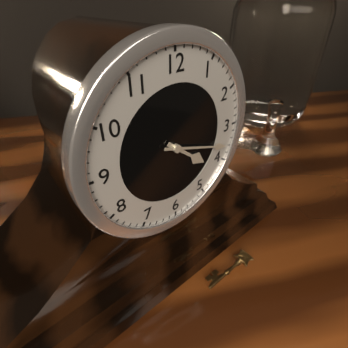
4:18
